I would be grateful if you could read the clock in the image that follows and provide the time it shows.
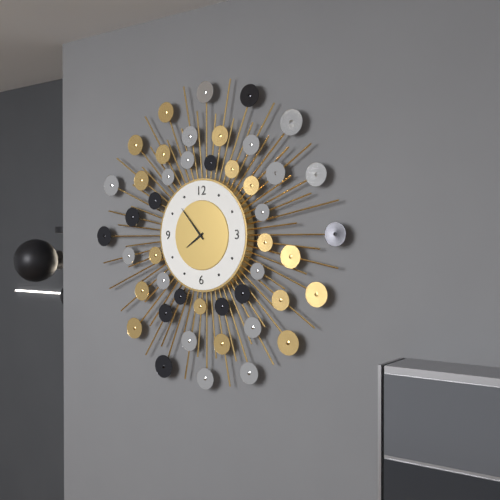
7:53
